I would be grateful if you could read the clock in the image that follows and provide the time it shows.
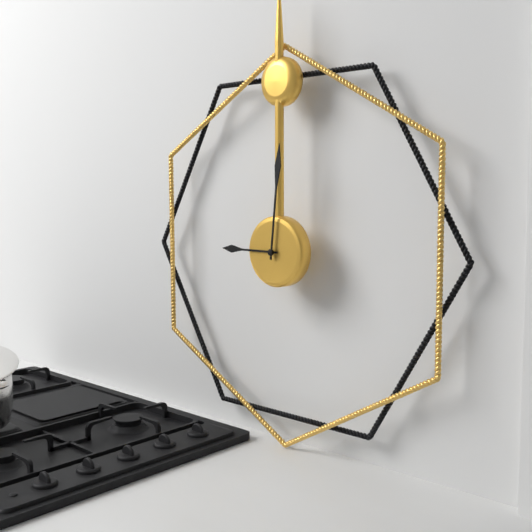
9:01
